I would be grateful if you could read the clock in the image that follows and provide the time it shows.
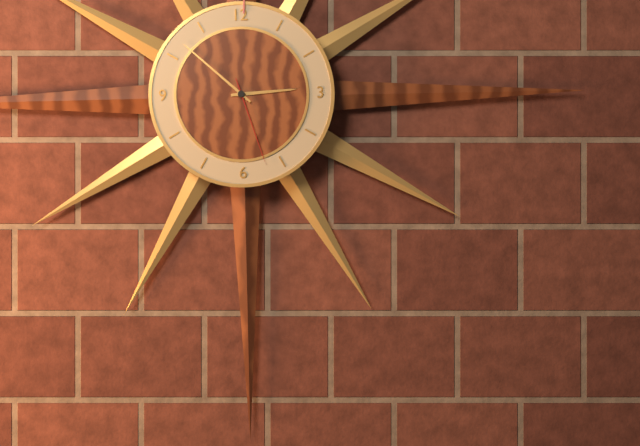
2:52:27
